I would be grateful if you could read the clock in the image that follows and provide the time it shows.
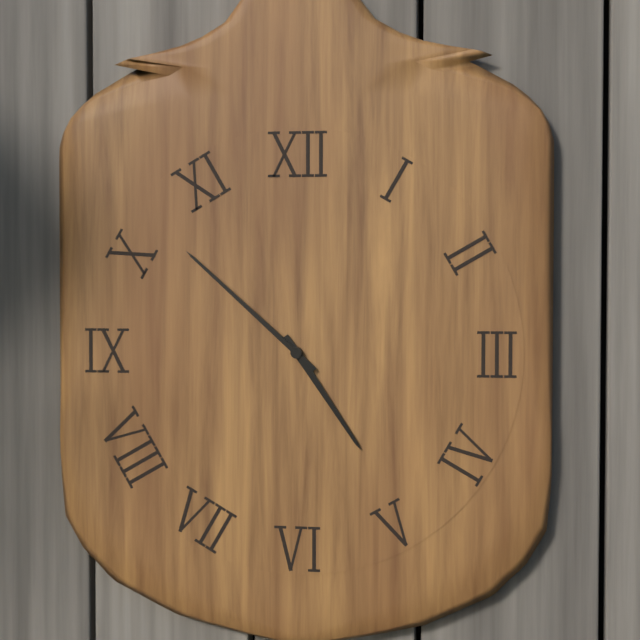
4:52
